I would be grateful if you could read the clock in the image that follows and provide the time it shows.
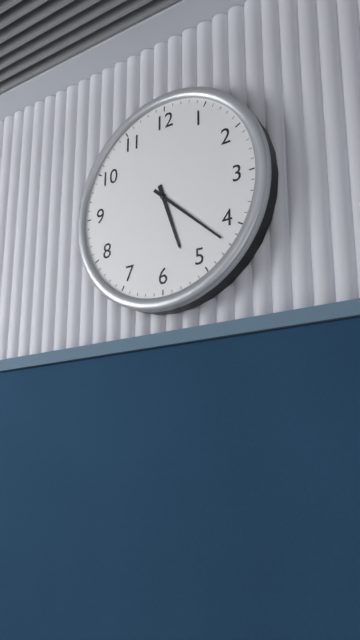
5:22
